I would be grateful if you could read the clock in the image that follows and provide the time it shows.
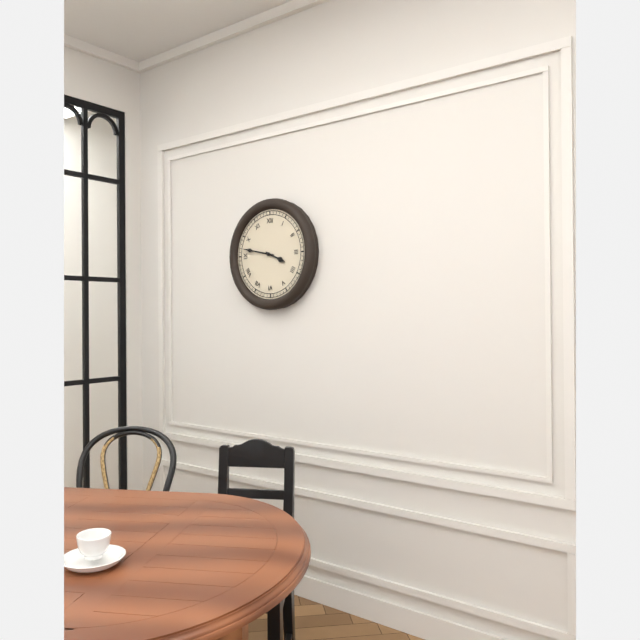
3:47
